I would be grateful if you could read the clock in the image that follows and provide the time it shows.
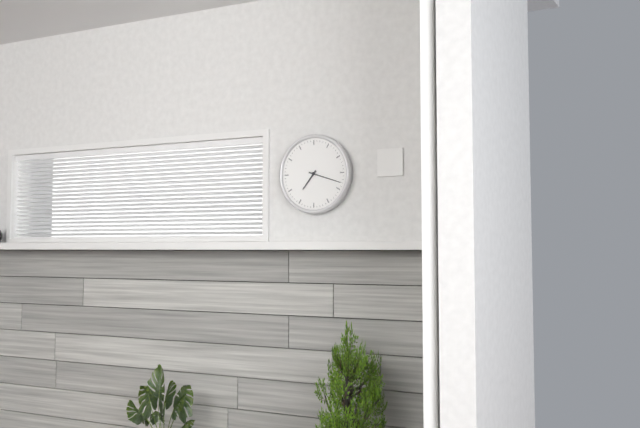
7:18
